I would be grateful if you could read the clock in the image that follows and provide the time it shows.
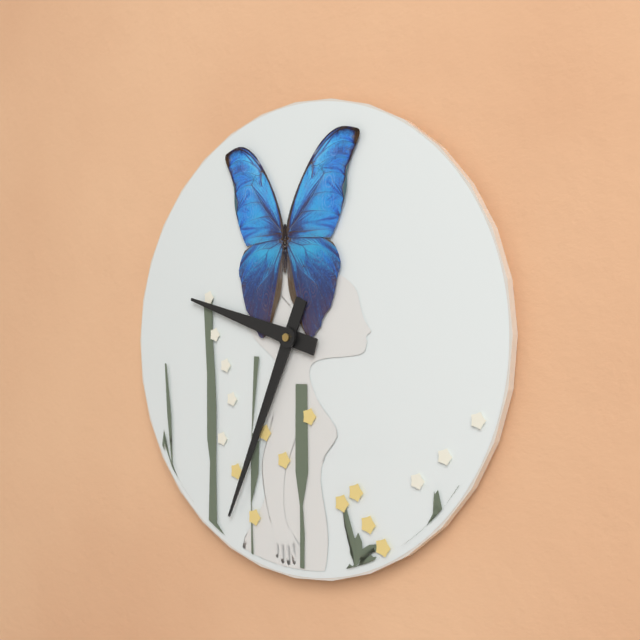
9:34
